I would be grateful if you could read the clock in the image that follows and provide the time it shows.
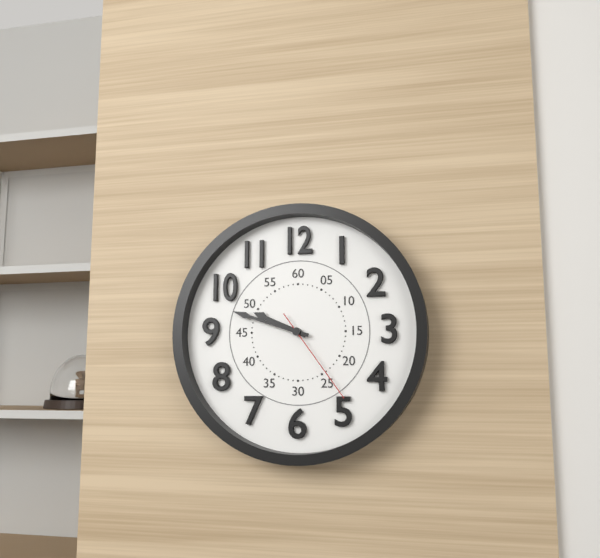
9:48:24
